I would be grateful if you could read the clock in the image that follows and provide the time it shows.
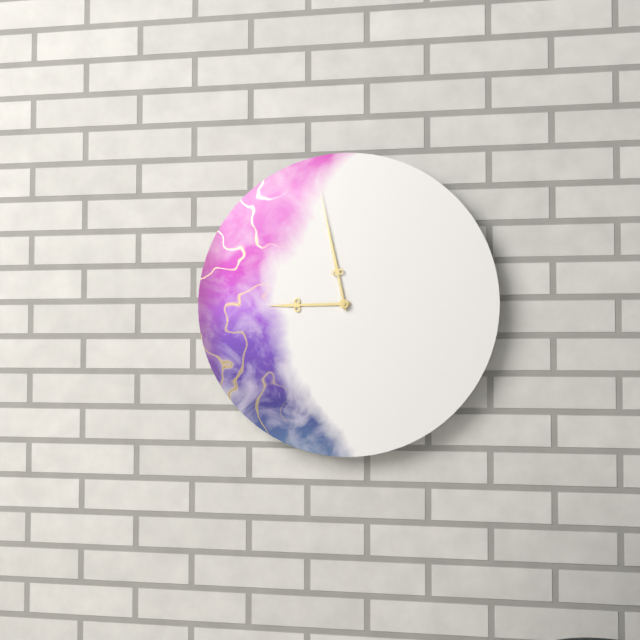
8:58
